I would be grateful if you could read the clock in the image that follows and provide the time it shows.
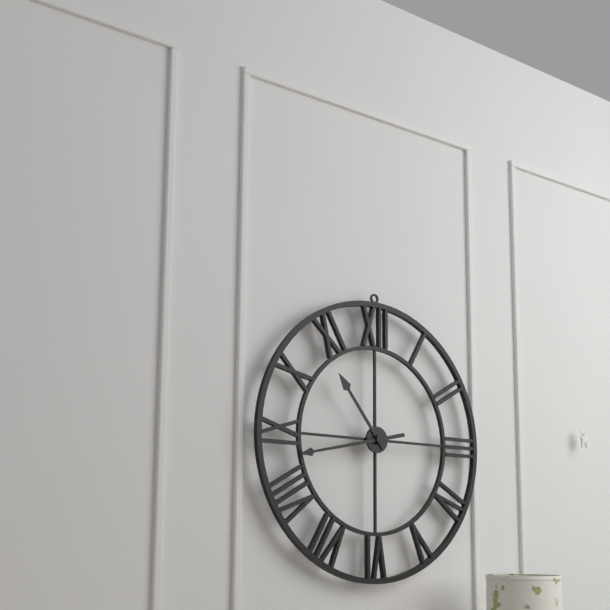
10:43
